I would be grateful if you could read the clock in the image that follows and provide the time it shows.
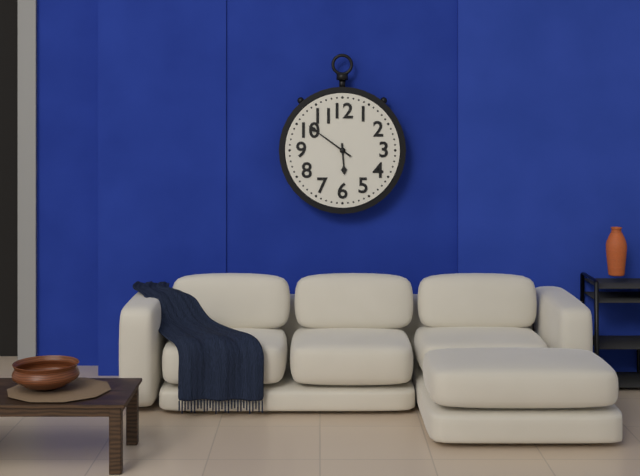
5:51
